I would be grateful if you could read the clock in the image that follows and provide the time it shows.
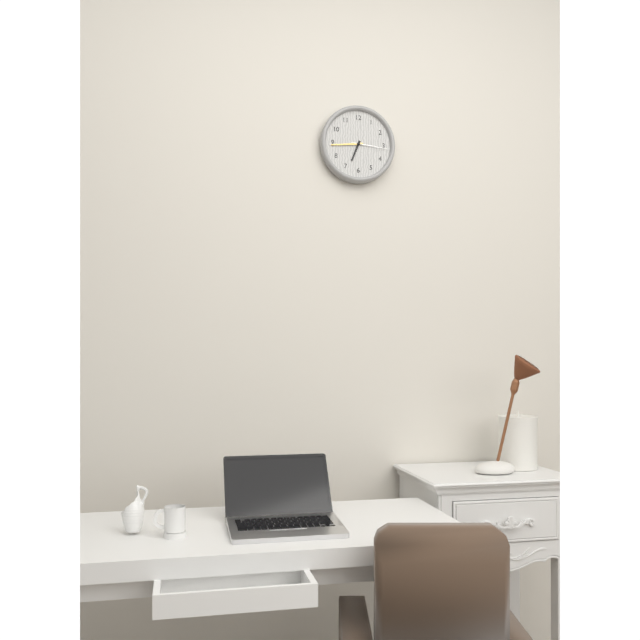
6:44
